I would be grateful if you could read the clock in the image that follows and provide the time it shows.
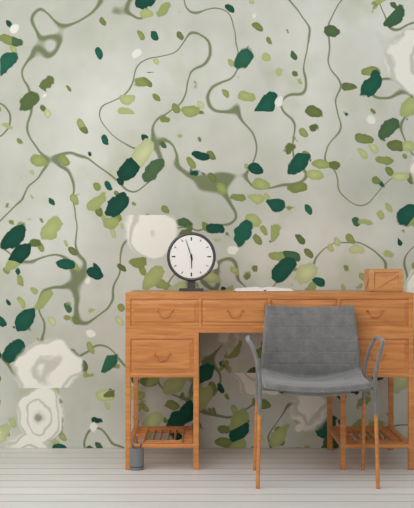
5:57
